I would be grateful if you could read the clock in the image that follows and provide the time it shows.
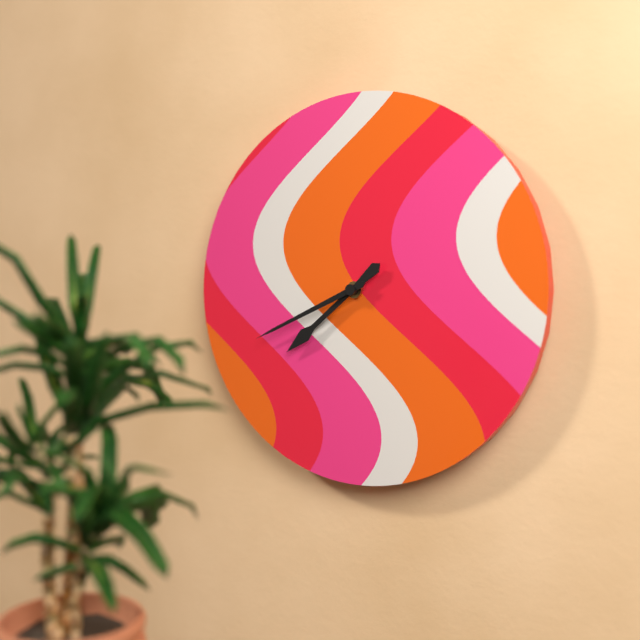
7:41
